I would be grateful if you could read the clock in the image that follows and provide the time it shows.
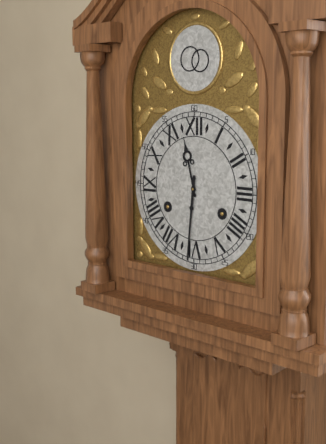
11:31
